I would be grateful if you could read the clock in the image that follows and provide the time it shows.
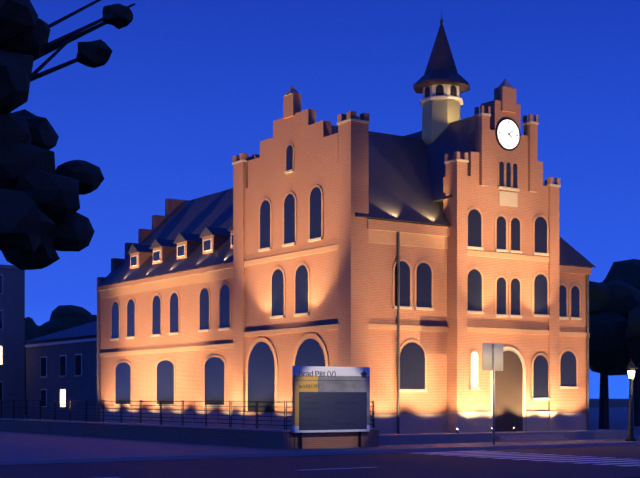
4:09
